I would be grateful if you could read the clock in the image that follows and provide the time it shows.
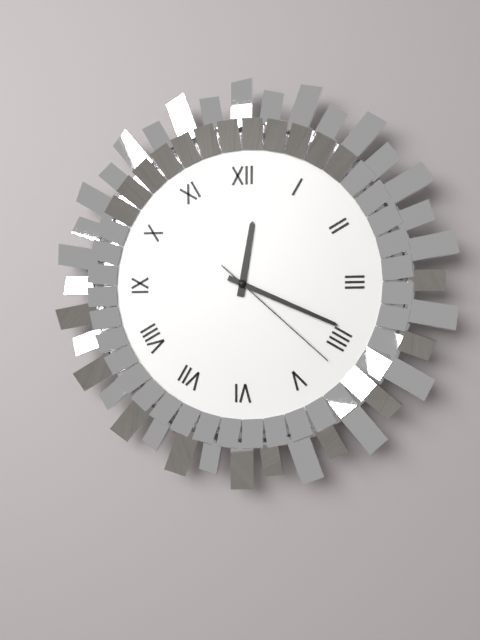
12:19:22
